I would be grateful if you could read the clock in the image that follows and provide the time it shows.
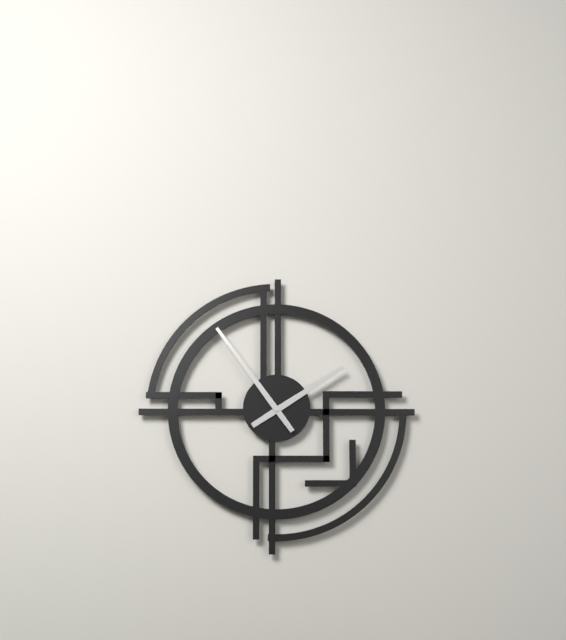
1:54
